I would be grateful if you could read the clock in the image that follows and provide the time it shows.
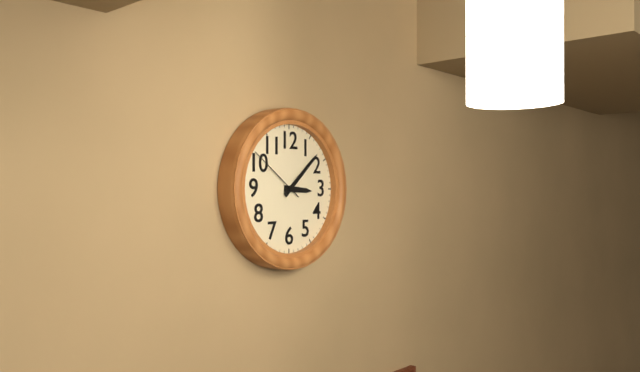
3:08:51
